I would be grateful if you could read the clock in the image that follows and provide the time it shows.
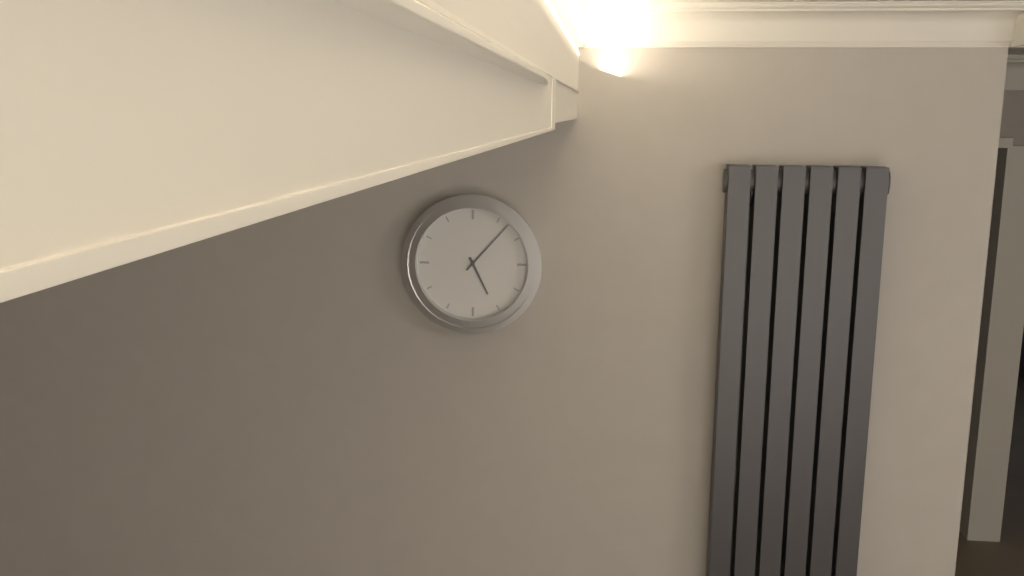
5:07
